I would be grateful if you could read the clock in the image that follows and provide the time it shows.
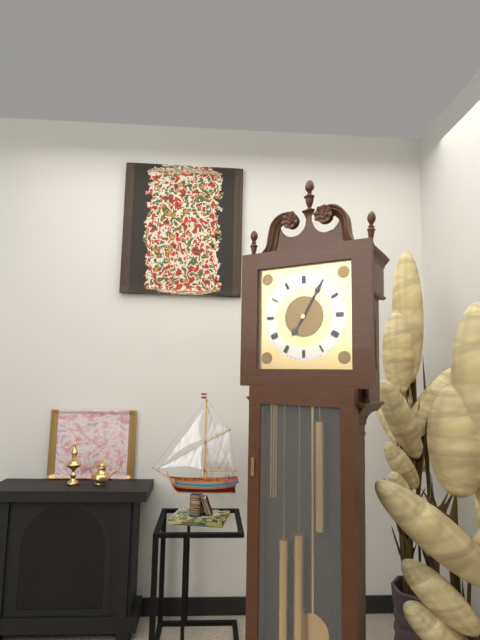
7:05
